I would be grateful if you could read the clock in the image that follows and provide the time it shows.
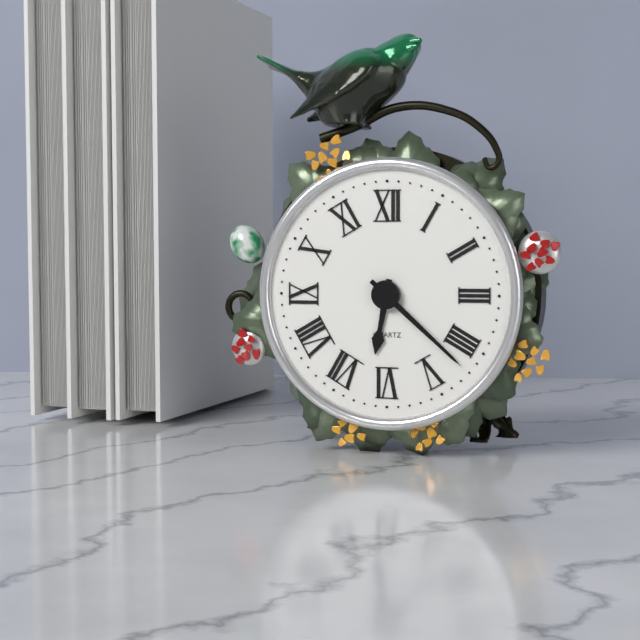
6:22
